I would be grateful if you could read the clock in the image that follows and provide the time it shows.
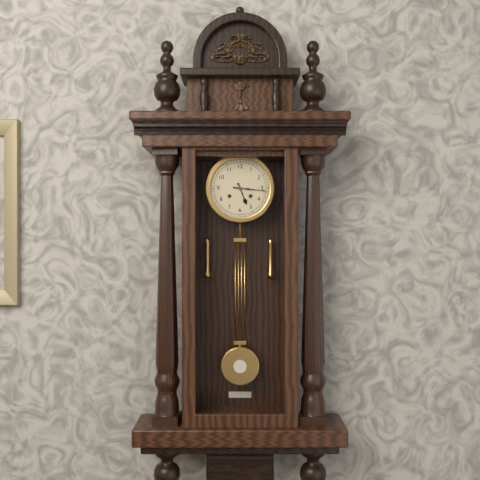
5:16
